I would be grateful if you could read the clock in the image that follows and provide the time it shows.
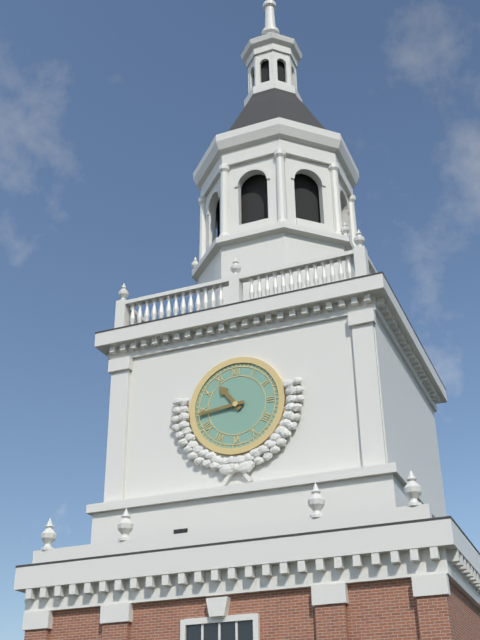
10:44
